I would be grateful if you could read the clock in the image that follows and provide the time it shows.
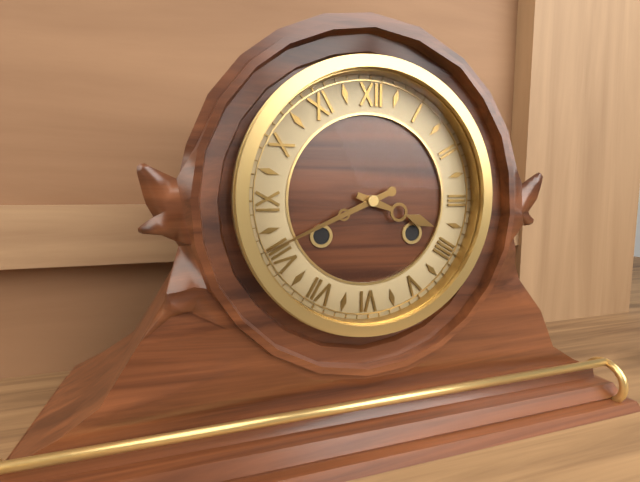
3:41
